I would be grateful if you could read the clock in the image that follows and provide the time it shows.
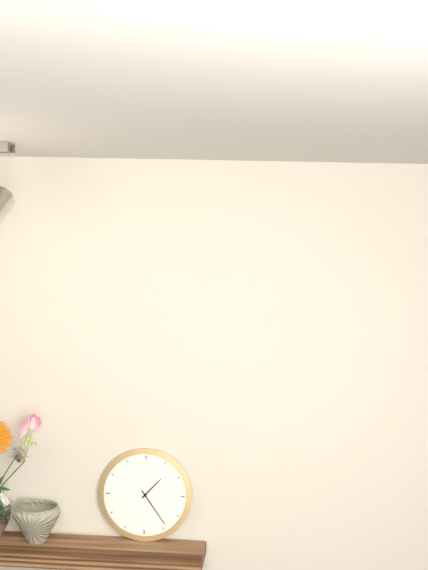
1:24
